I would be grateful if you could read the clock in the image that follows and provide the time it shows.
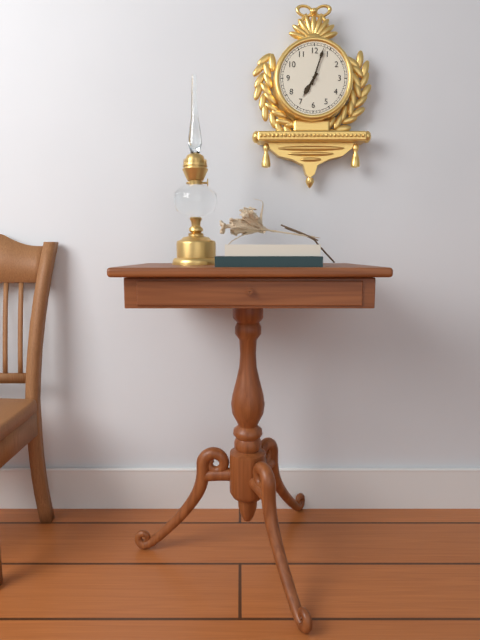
7:03
